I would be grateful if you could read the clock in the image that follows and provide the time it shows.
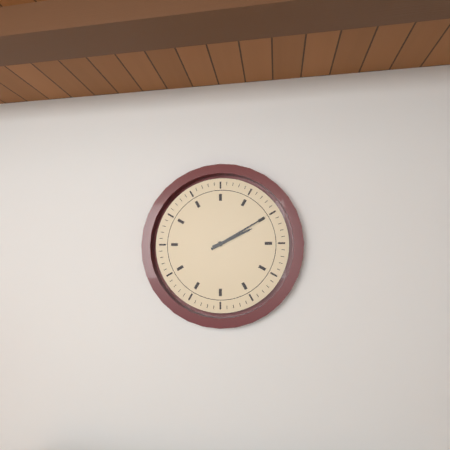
2:10
